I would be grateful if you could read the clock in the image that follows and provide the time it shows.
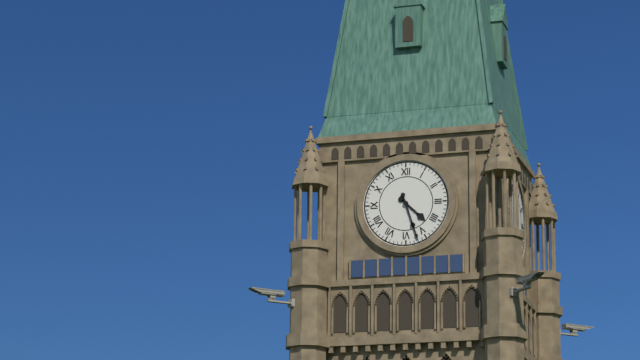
4:27
